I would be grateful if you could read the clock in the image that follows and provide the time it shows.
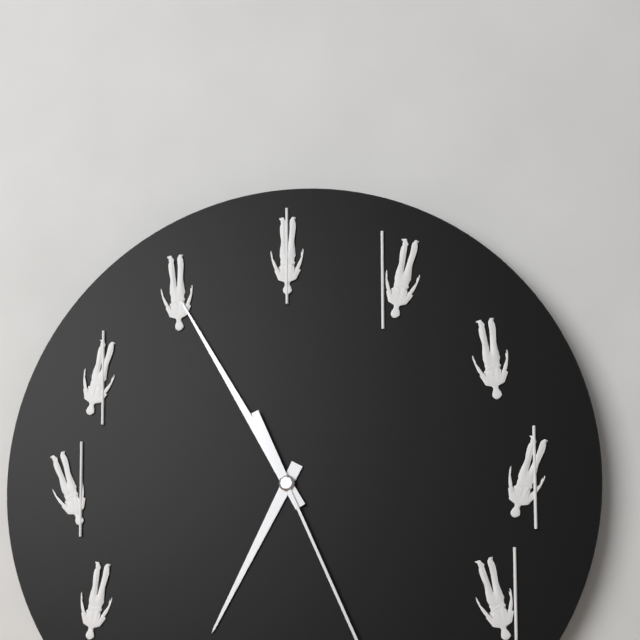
6:55
